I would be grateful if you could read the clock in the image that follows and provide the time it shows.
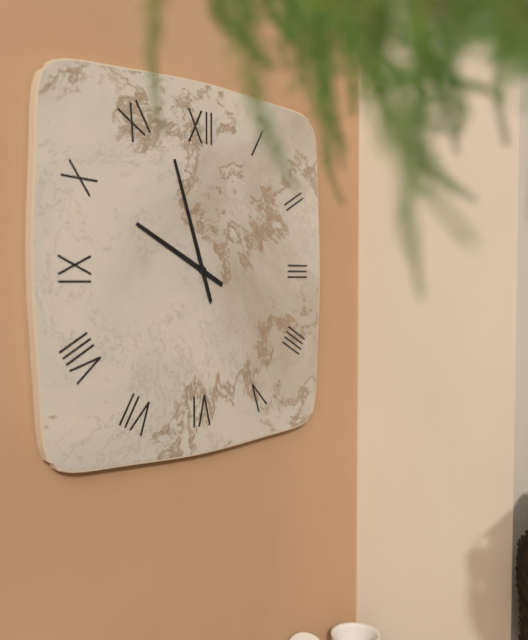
9:57
